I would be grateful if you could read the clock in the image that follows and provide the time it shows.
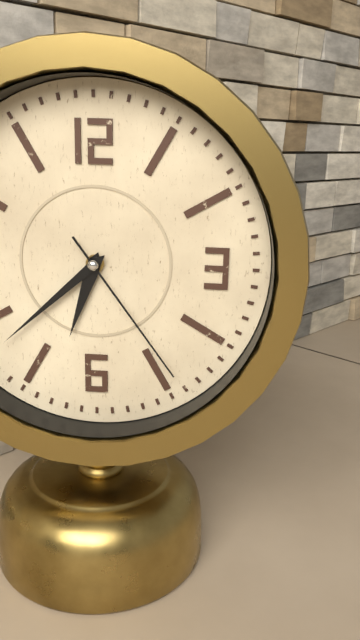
6:38:24
